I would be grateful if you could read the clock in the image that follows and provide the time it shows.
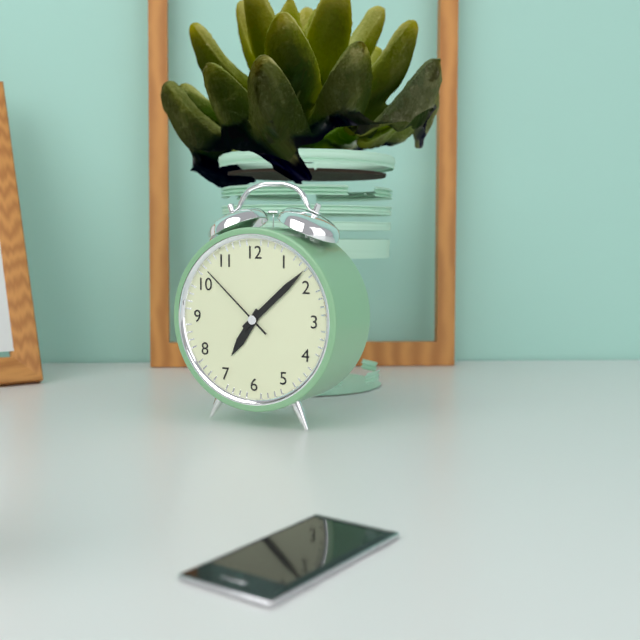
7:08:52
